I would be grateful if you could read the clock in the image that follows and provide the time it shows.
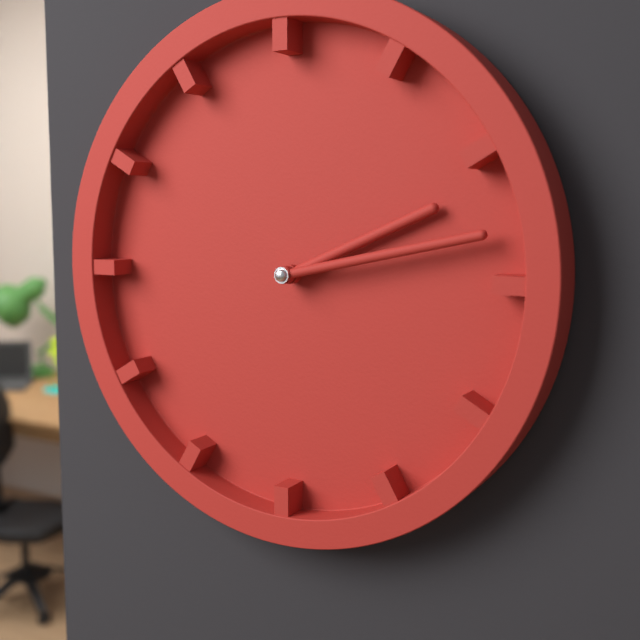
2:13
